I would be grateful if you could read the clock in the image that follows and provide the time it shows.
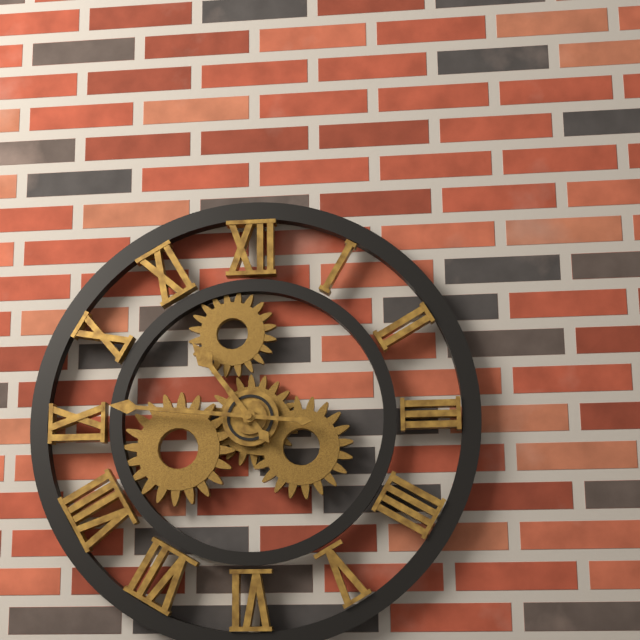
10:46
